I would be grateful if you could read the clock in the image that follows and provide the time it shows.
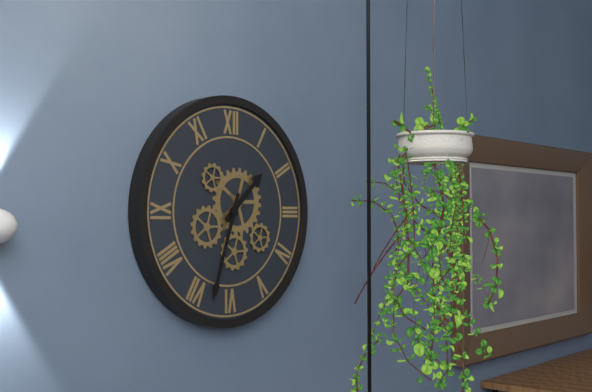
1:33
